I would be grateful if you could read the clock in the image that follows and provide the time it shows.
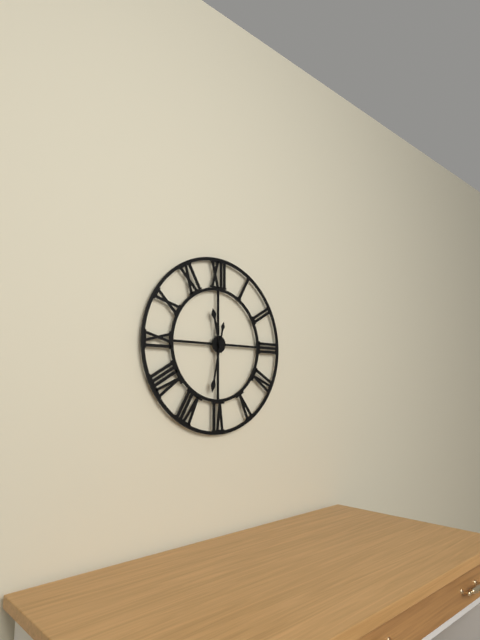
11:32
